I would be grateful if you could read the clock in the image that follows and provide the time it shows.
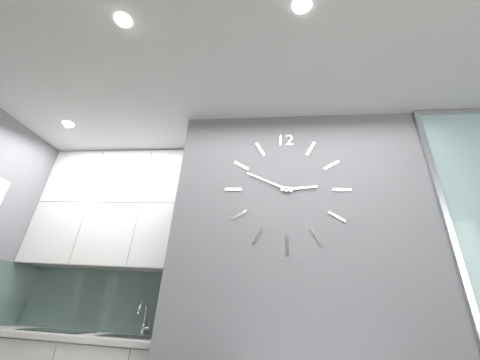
2:49
